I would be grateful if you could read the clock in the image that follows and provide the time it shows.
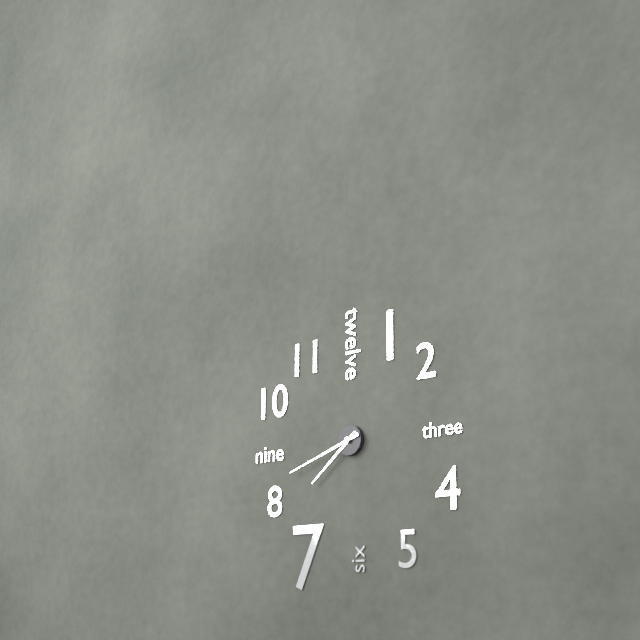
7:42
